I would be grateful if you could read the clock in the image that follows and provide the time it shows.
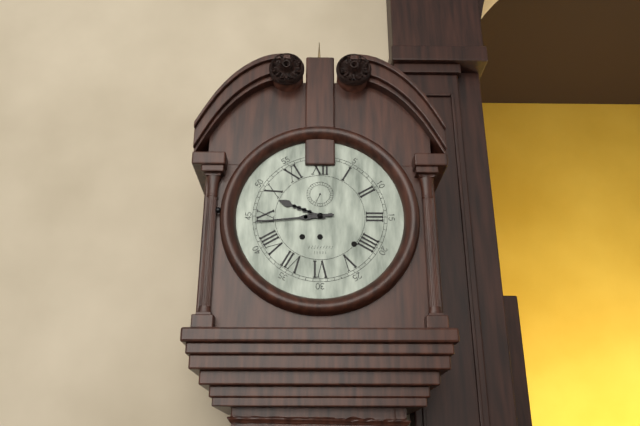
9:44
